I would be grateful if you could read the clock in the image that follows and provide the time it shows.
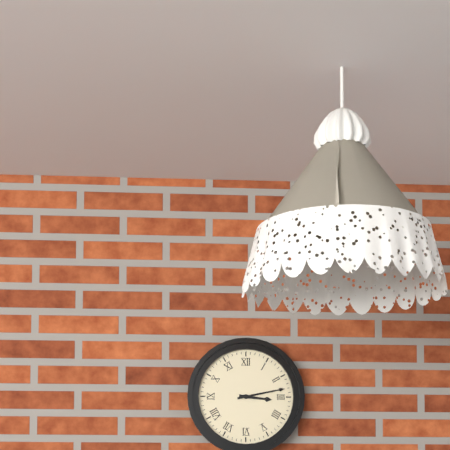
3:13
